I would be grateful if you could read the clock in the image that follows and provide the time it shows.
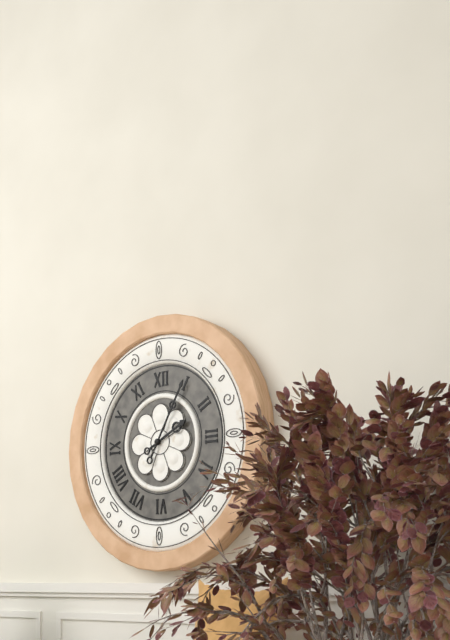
2:05
